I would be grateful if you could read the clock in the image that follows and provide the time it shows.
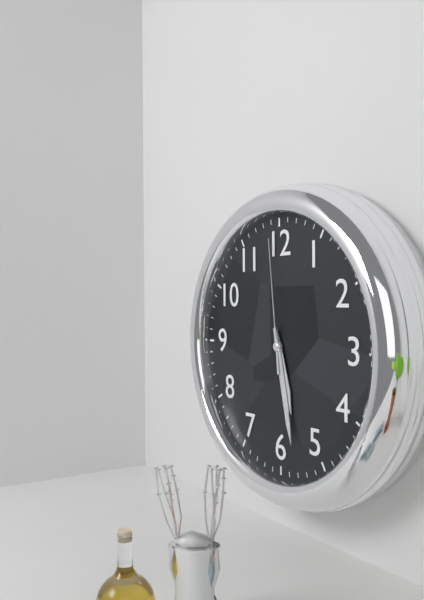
5:28:59
